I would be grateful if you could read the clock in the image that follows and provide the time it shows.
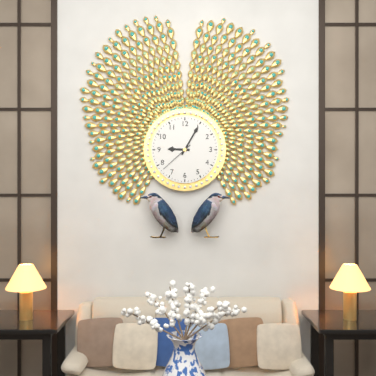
9:05
